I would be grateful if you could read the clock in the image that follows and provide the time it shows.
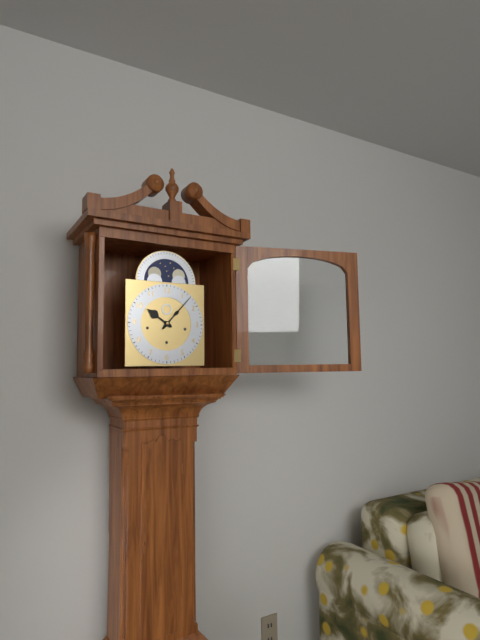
10:07
